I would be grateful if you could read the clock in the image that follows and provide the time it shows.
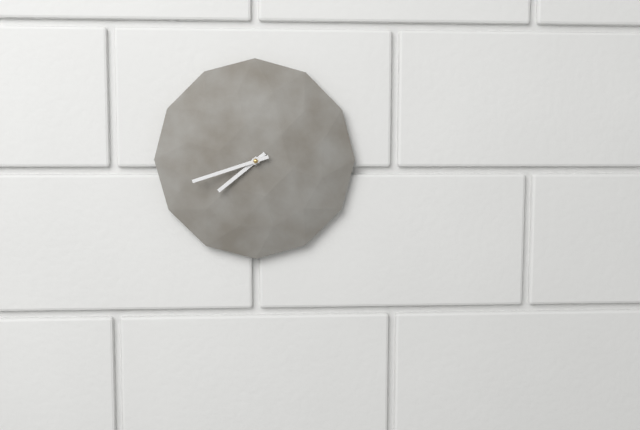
7:42
